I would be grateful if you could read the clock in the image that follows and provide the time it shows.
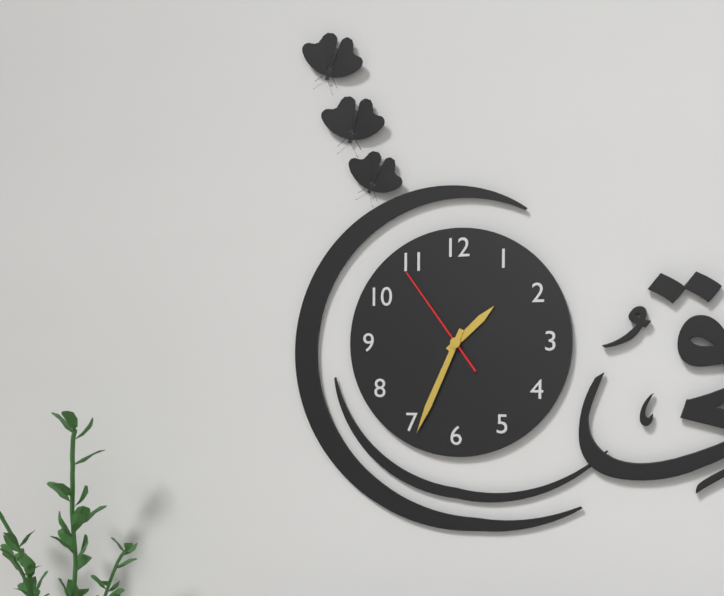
1:34:54
